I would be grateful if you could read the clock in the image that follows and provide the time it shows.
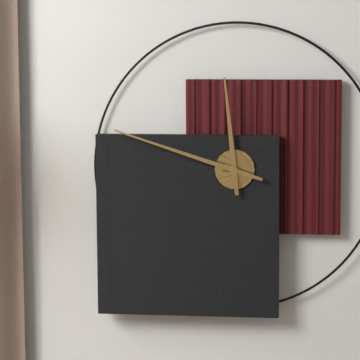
11:48
